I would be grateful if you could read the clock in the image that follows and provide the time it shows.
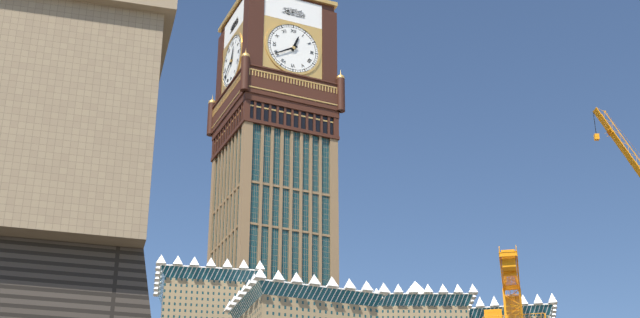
12:40
